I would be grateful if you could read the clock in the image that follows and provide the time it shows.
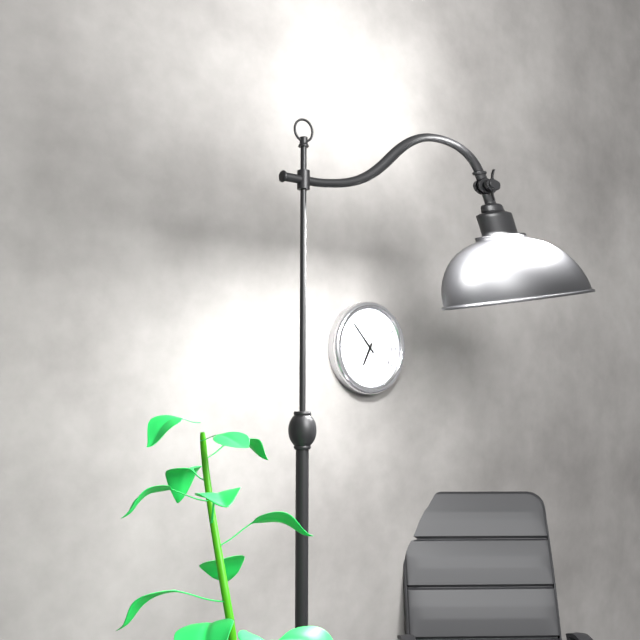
6:53
